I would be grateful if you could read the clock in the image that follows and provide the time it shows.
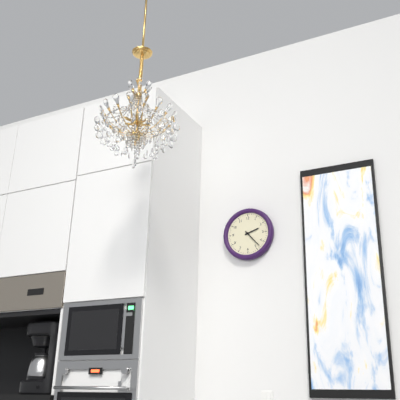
2:23
